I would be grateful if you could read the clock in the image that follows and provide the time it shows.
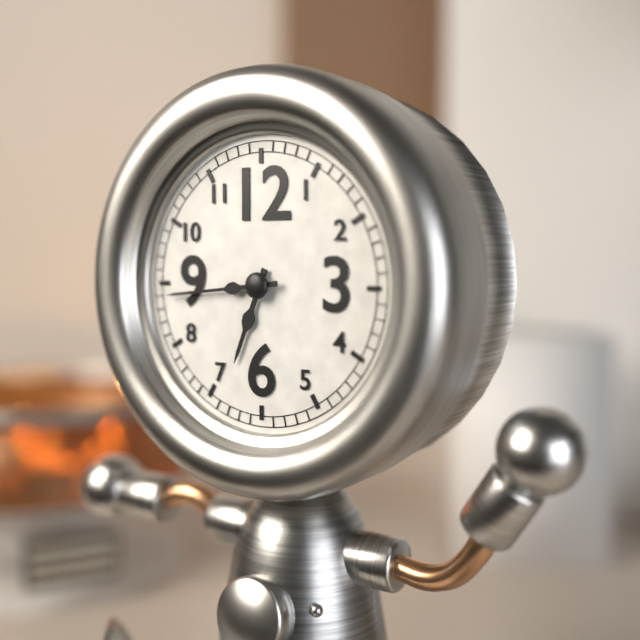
6:44
